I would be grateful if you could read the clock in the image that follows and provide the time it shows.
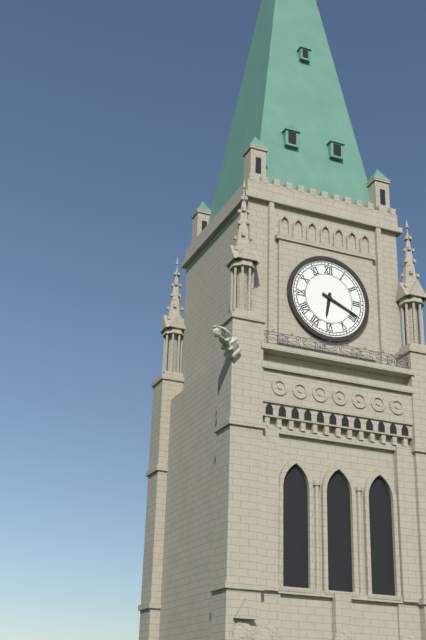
6:19
